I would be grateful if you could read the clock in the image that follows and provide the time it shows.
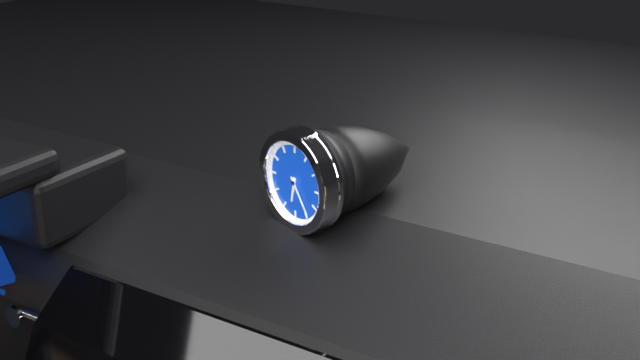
6:24
